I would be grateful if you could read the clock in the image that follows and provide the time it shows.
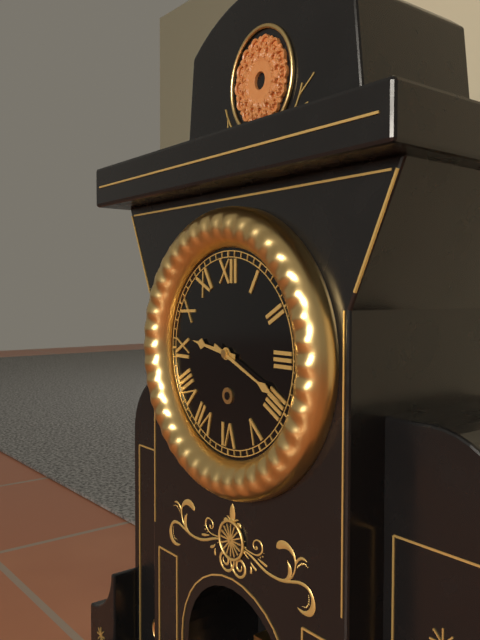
9:19
